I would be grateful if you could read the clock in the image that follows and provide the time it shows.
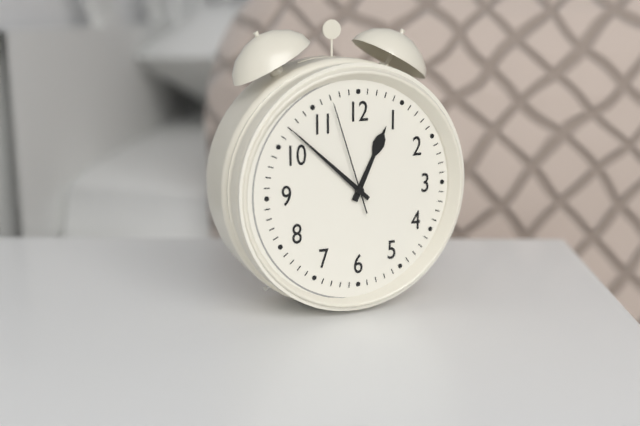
12:52:57
